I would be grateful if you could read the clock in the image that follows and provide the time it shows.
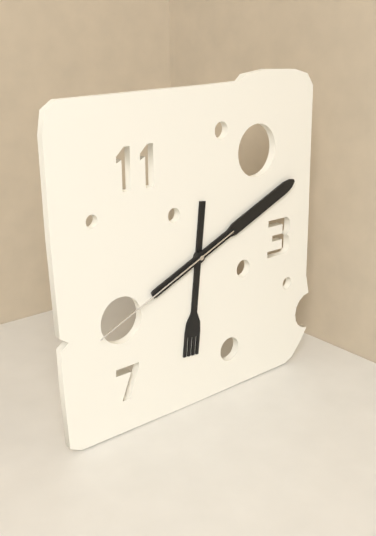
6:11:41
